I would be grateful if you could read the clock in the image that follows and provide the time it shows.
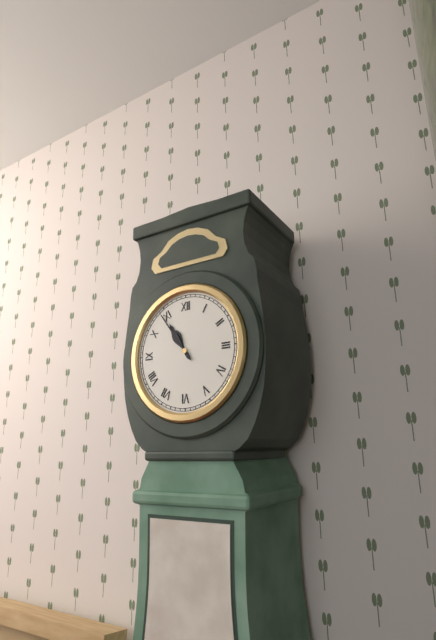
10:54
